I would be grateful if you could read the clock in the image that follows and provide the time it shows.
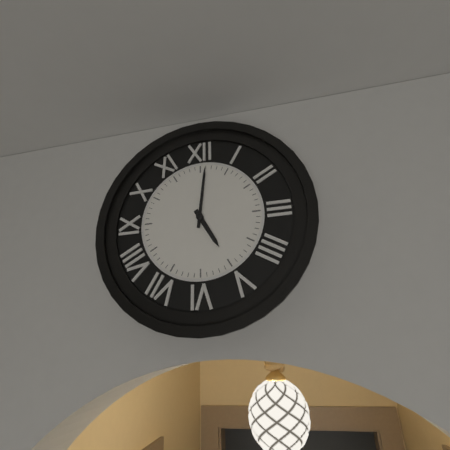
5:01
